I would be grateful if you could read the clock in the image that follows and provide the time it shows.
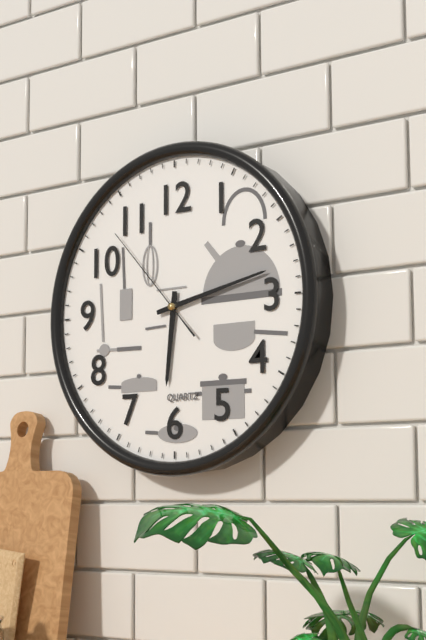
6:13:53
